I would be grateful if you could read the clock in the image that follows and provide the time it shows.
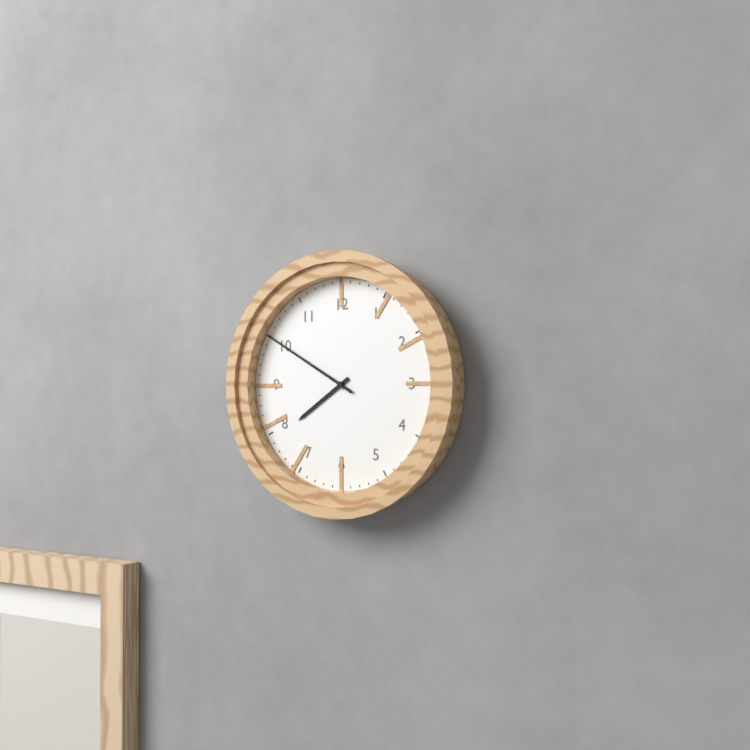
7:50
